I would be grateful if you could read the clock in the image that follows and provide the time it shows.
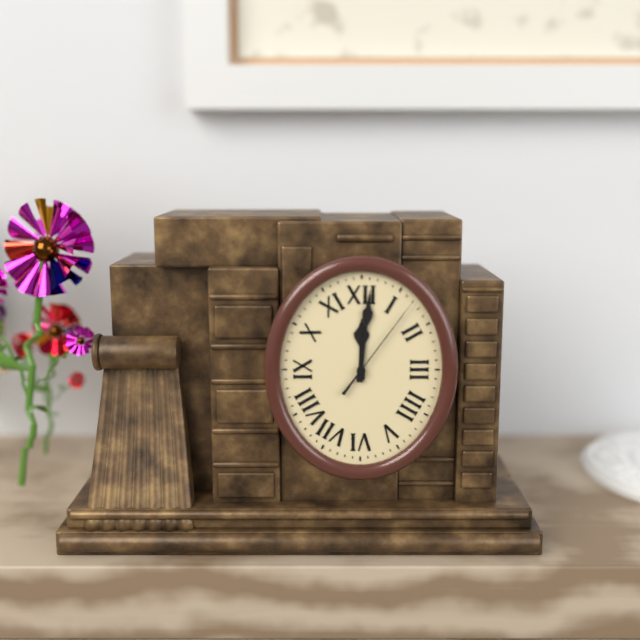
12:01:06
